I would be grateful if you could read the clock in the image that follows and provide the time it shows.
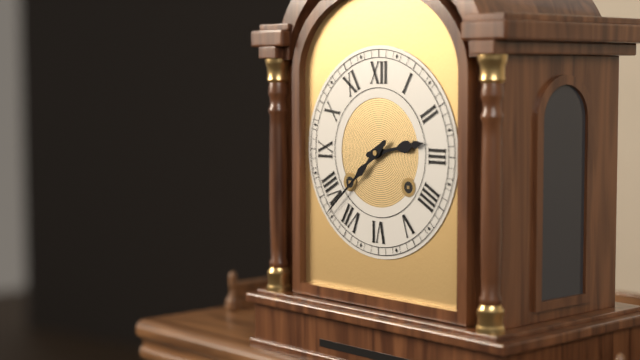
2:38
